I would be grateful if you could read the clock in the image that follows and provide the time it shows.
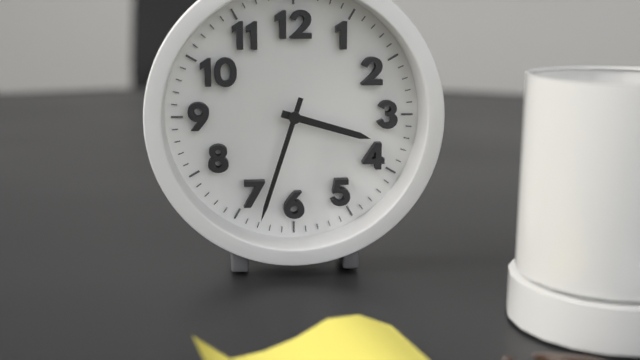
3:33
